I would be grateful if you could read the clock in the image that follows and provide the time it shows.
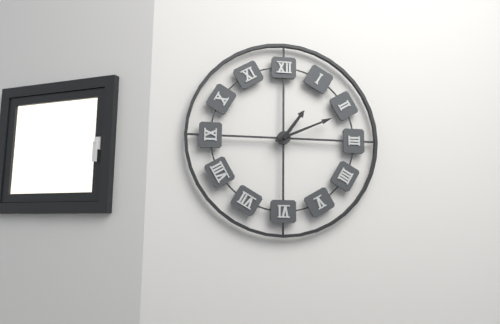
1:11
